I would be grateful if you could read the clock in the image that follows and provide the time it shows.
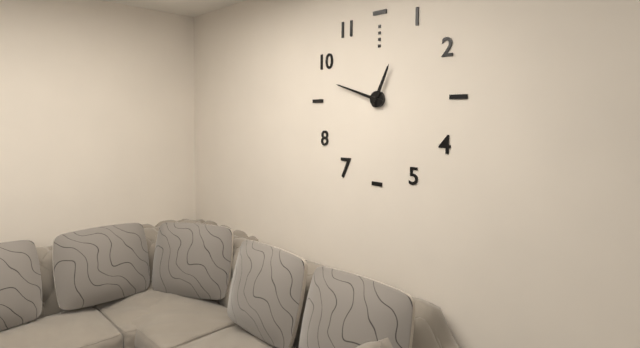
12:48
